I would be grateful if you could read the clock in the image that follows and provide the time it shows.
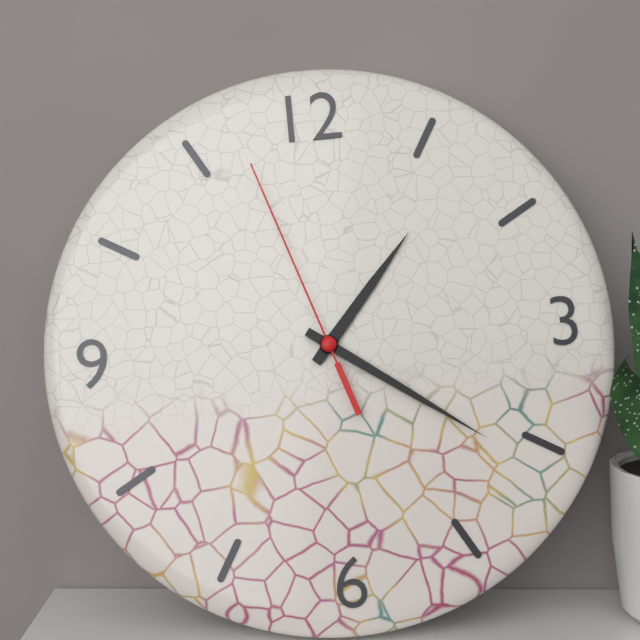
1:21:57
